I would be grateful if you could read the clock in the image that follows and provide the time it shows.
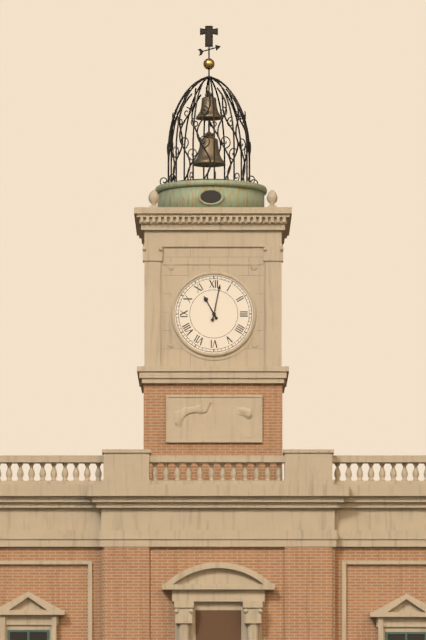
11:02
